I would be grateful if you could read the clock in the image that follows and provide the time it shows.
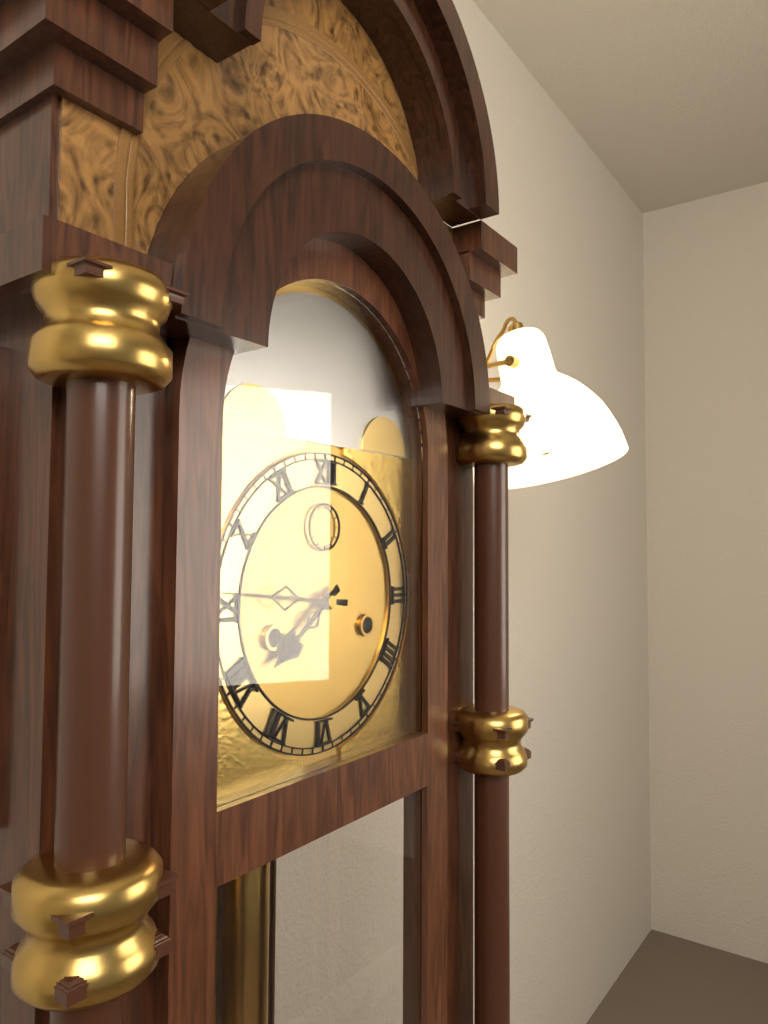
7:46
